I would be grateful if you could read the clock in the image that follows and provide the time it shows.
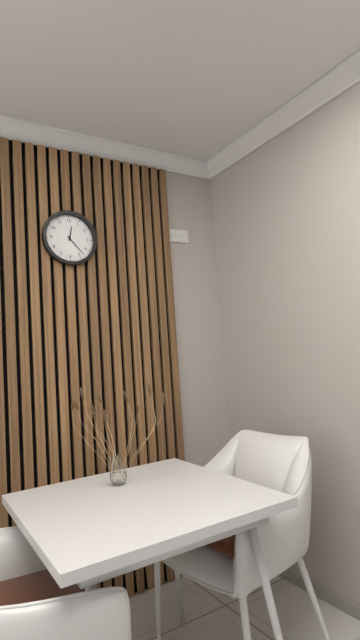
12:23
